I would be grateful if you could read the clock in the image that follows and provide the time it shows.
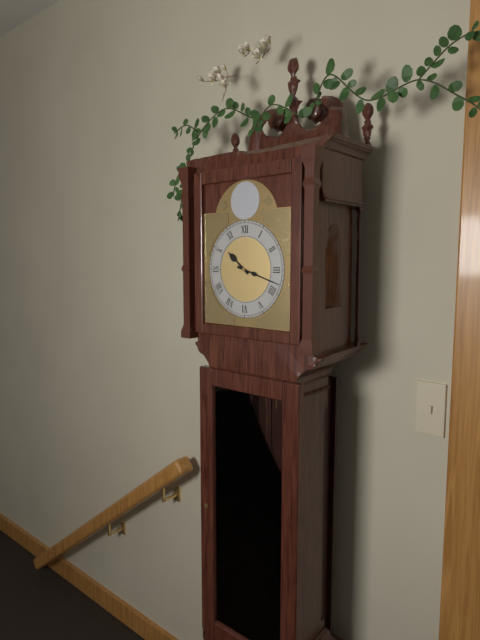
10:18
